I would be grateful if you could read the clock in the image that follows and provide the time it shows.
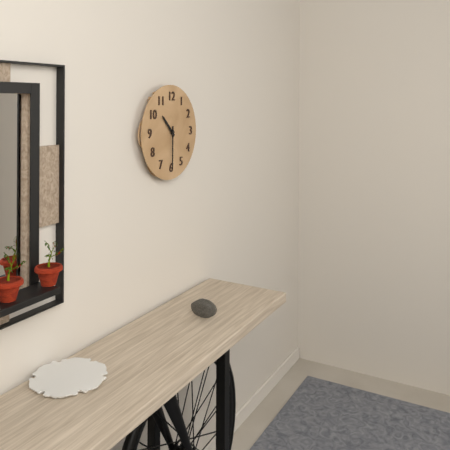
10:30
